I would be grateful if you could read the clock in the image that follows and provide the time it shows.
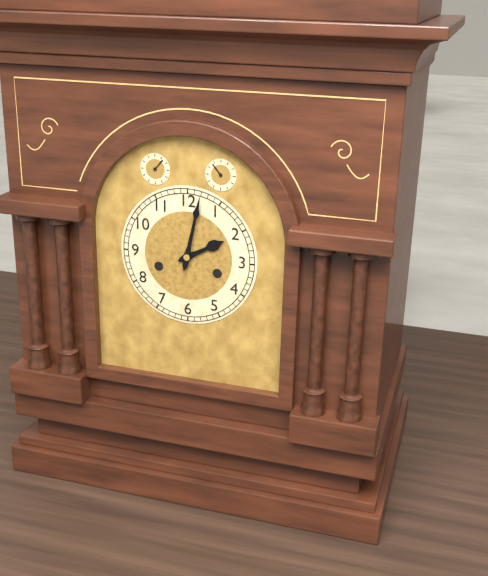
2:02
